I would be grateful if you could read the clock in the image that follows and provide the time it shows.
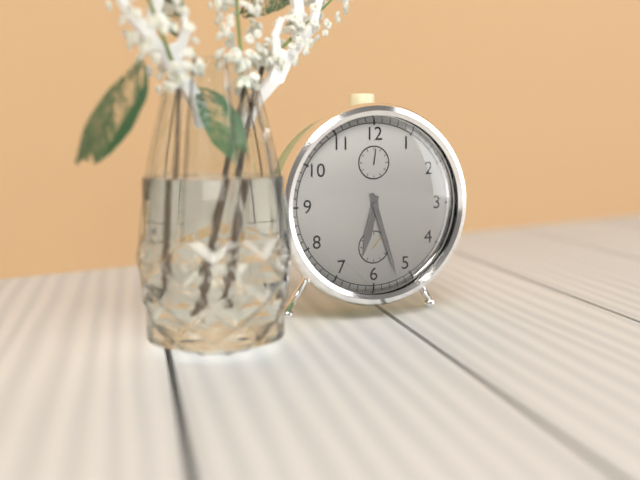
6:27
